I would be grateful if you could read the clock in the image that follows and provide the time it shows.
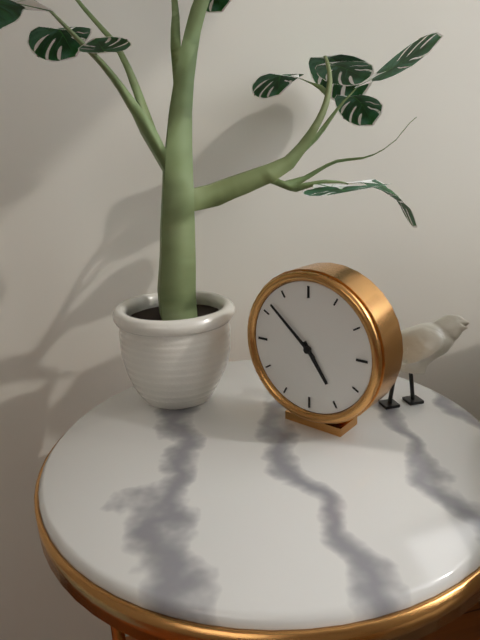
4:52
